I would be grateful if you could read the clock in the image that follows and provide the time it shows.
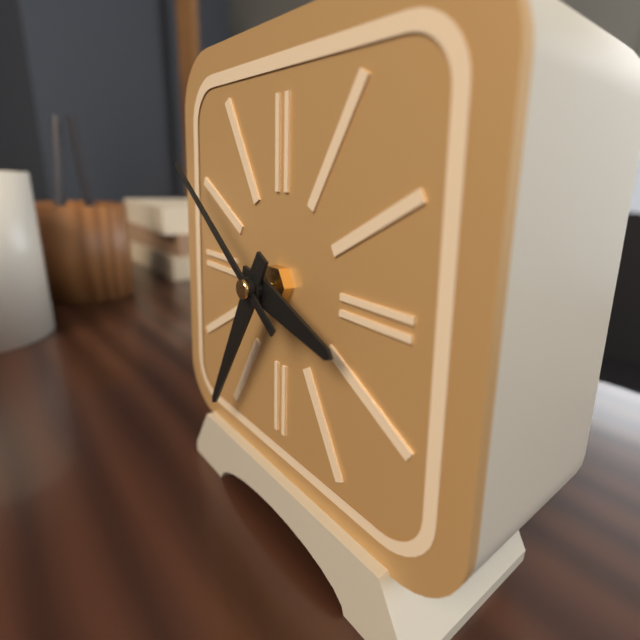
3:35:51
